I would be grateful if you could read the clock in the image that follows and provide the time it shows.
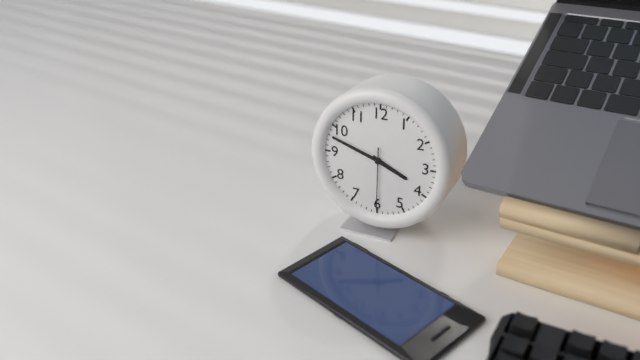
3:48:30
